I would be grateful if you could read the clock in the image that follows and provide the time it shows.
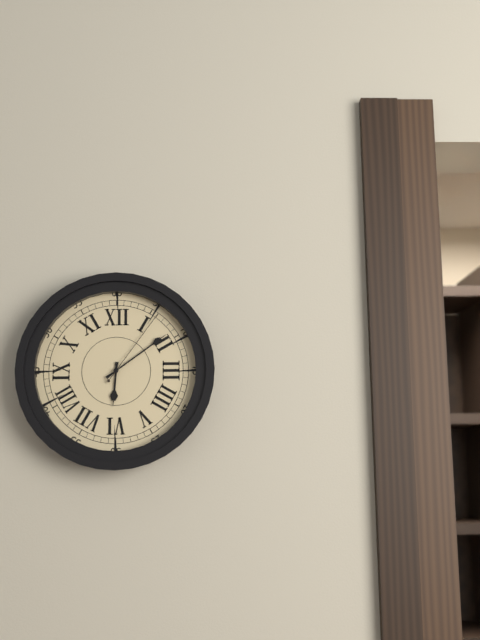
6:09:06
